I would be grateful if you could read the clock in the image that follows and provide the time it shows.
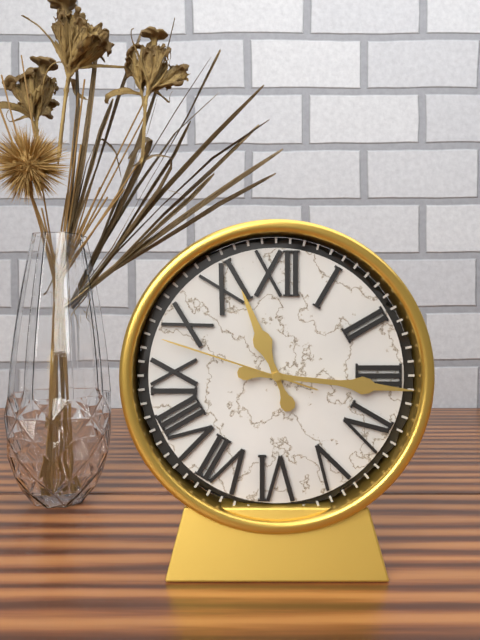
11:16:48
